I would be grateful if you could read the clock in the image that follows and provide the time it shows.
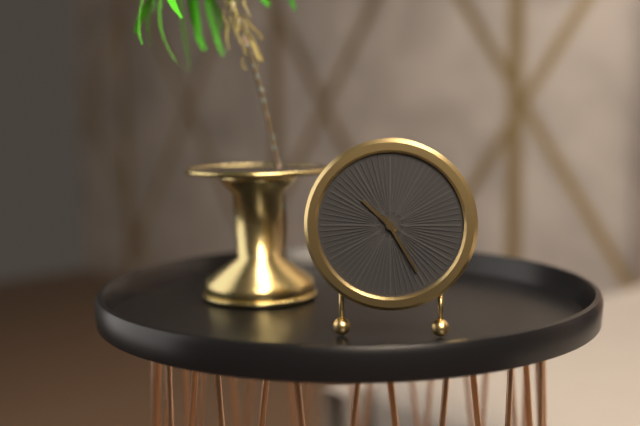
10:25
